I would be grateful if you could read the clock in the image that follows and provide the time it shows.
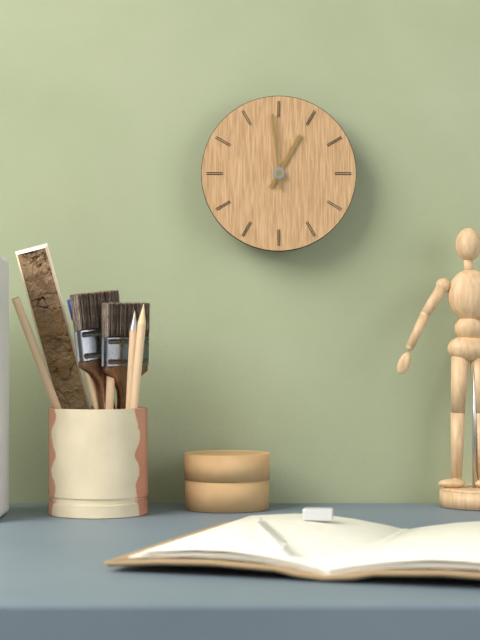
12:59
